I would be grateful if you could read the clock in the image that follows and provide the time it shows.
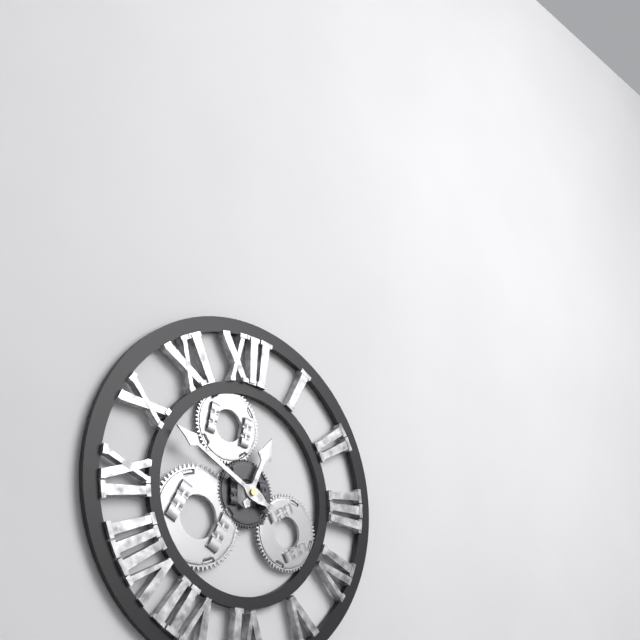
12:50
